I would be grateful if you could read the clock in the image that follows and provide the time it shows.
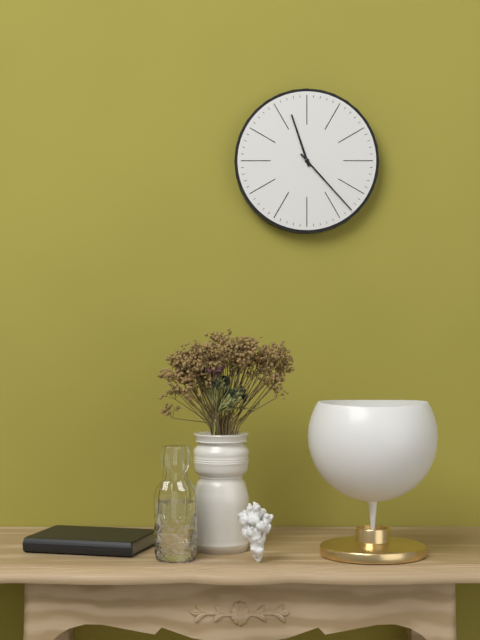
11:23
